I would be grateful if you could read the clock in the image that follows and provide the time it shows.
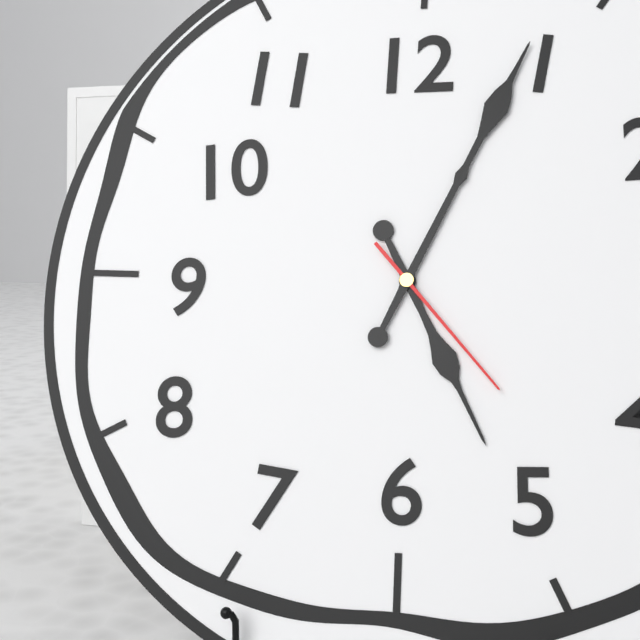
5:04:23
